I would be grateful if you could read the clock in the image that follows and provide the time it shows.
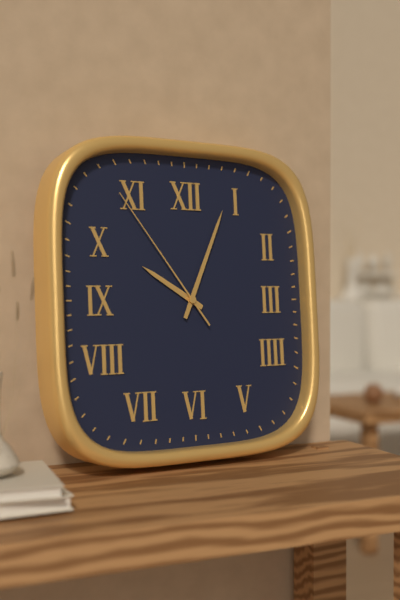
10:04:54
